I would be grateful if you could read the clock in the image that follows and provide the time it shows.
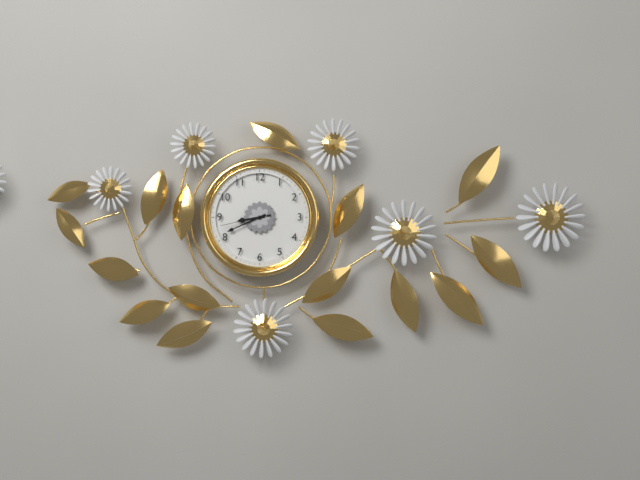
8:41:43
